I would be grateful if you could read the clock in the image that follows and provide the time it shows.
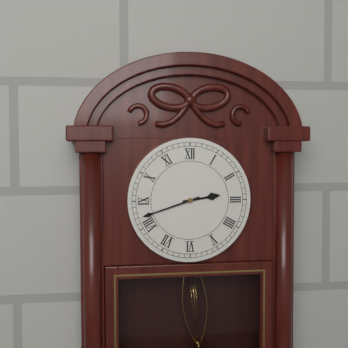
2:42
